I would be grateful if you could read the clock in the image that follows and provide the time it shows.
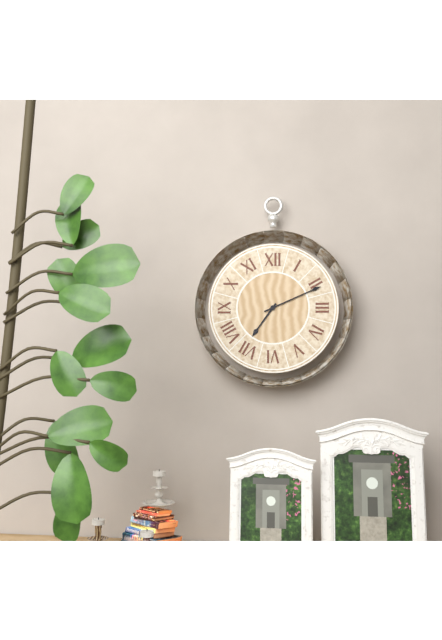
7:11
